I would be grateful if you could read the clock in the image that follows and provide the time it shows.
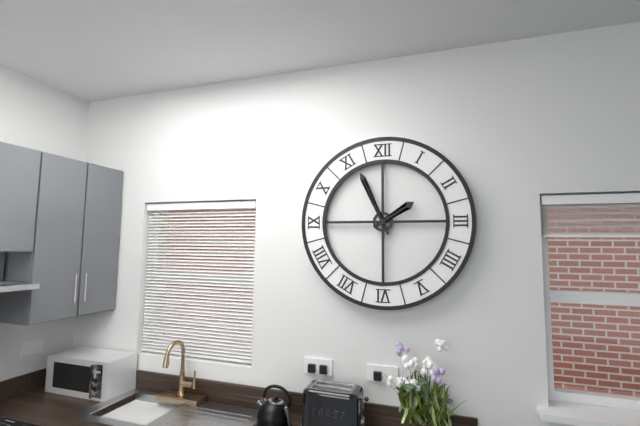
1:56
